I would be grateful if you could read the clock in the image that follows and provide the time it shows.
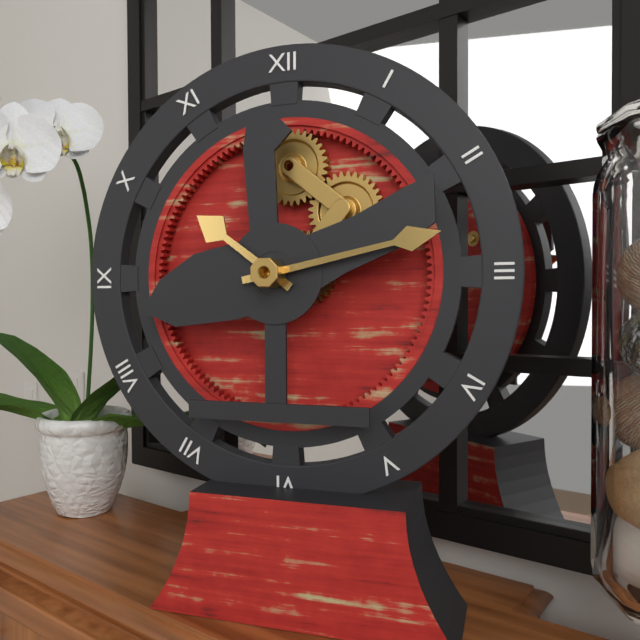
10:13
